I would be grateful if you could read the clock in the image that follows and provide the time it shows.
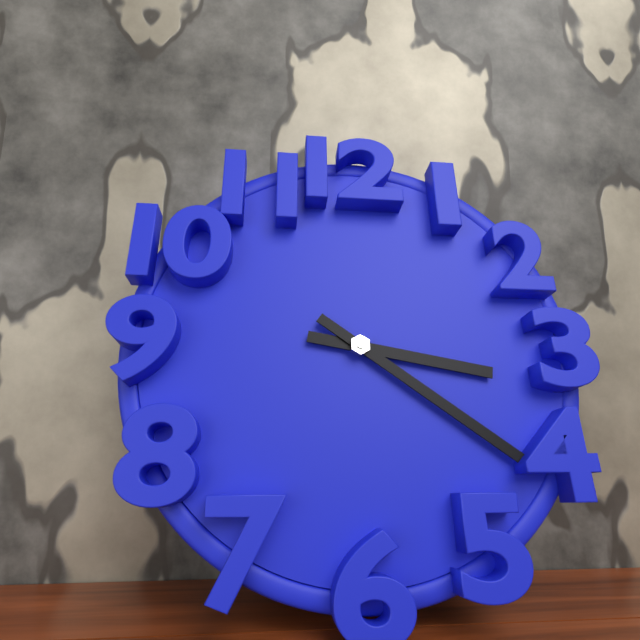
3:21
